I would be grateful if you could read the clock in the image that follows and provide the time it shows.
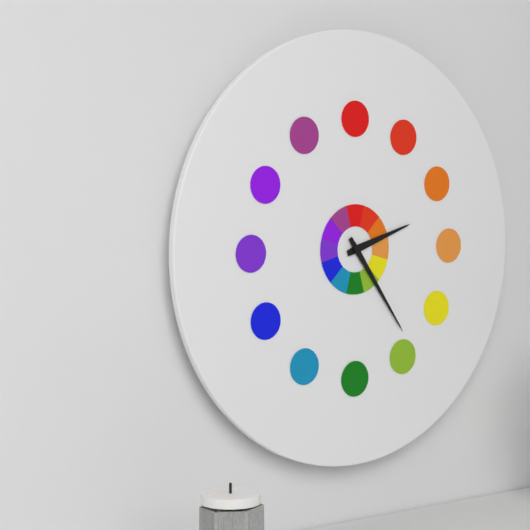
2:24
